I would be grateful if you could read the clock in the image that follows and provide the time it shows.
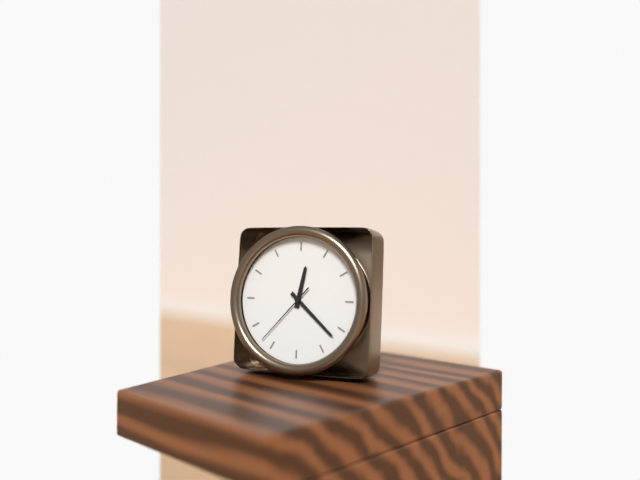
12:22:37
